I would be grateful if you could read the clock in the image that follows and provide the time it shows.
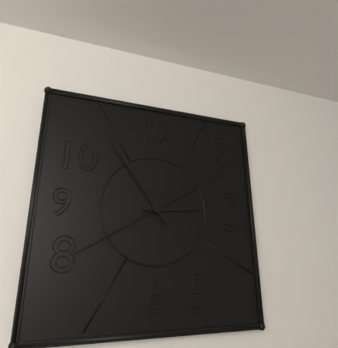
2:54:40
